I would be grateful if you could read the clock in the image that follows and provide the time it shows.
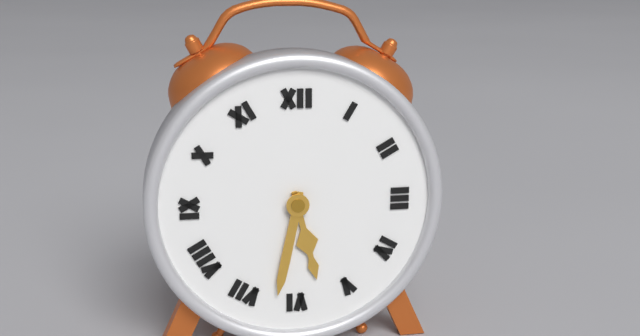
5:32
